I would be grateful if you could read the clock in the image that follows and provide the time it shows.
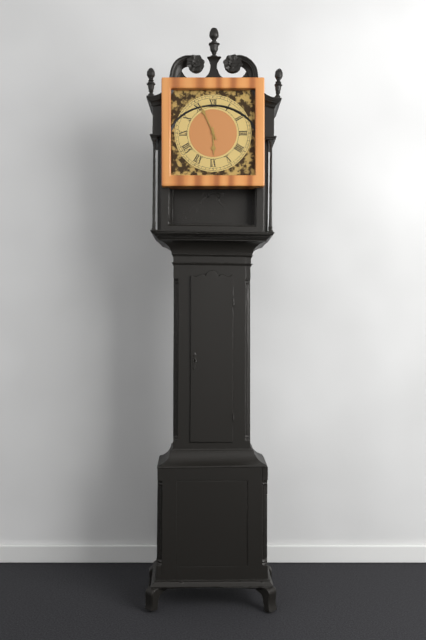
5:56
